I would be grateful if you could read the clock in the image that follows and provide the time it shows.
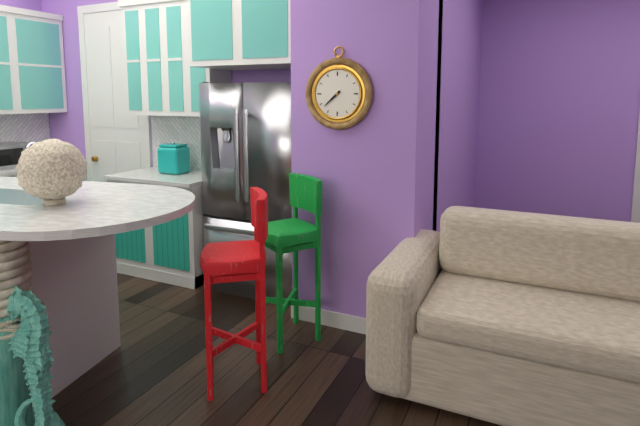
7:38
